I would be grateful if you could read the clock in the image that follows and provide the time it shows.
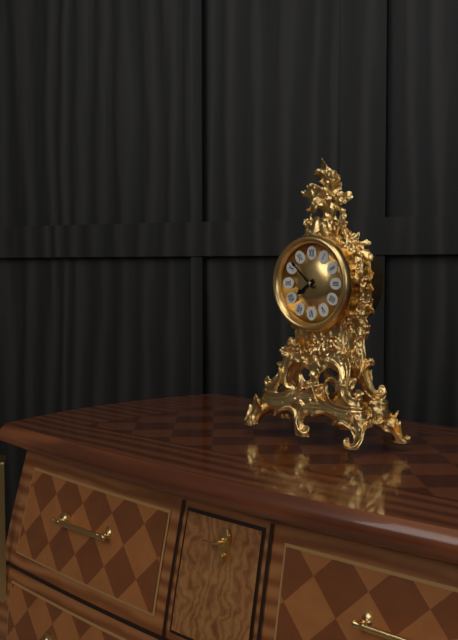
7:52
